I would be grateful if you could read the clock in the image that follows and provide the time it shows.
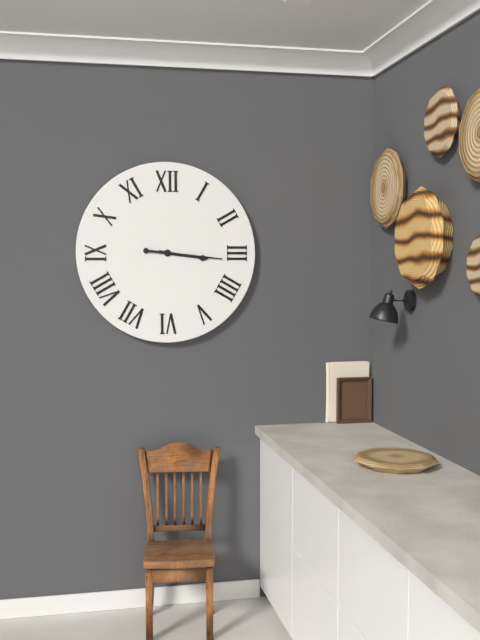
3:16
